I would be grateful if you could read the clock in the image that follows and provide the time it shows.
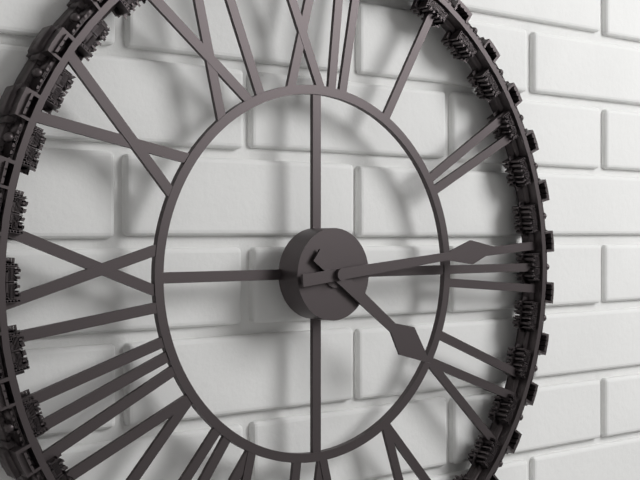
4:14
